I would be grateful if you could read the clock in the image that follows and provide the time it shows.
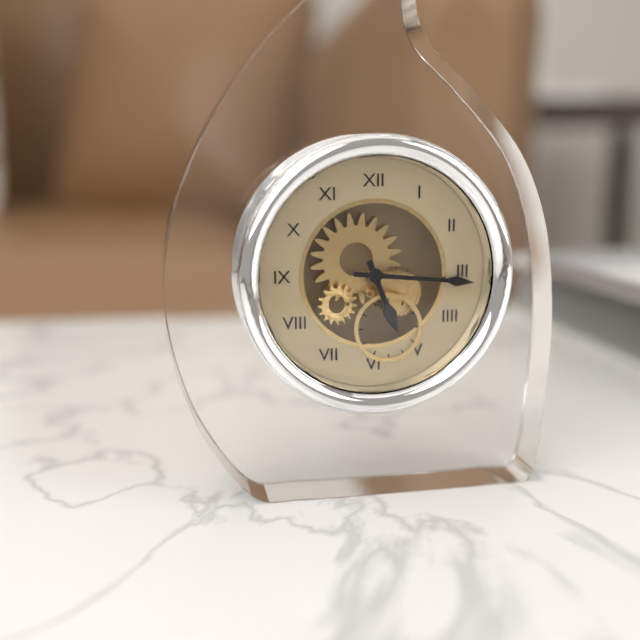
5:16
